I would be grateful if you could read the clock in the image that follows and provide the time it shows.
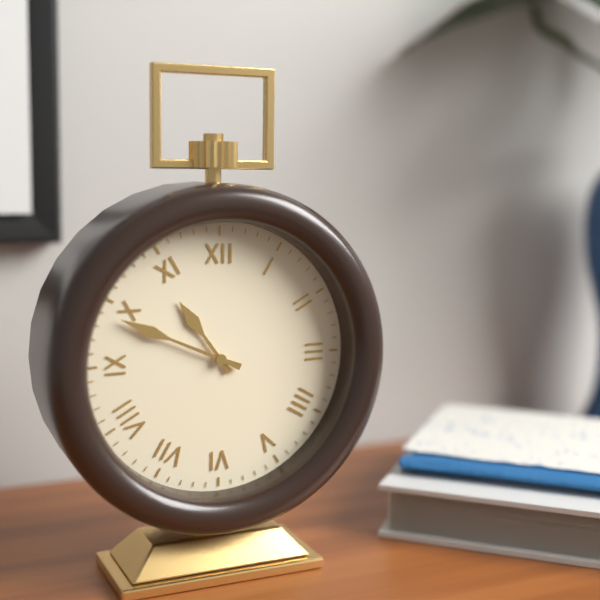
10:49
